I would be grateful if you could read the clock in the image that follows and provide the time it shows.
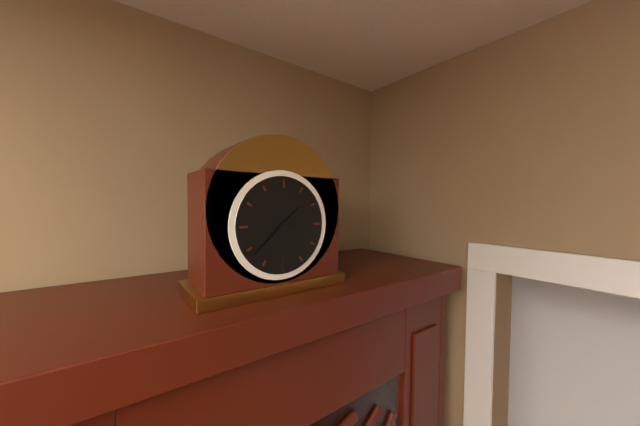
1:38
